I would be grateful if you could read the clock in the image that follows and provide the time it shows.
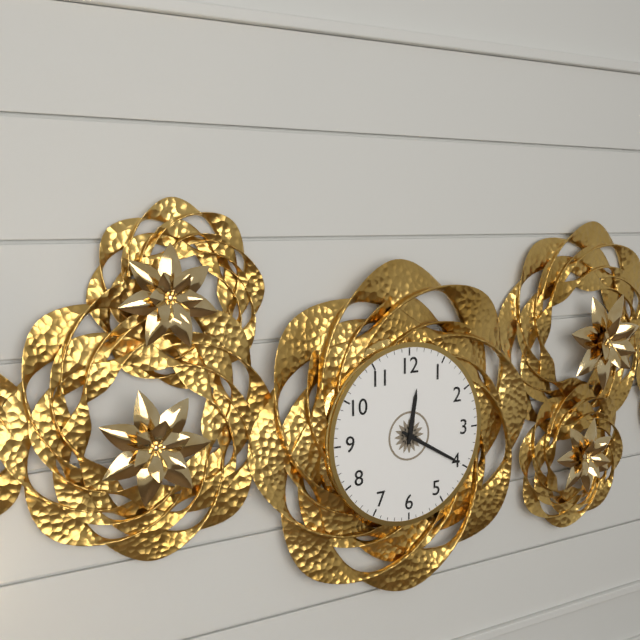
12:20
